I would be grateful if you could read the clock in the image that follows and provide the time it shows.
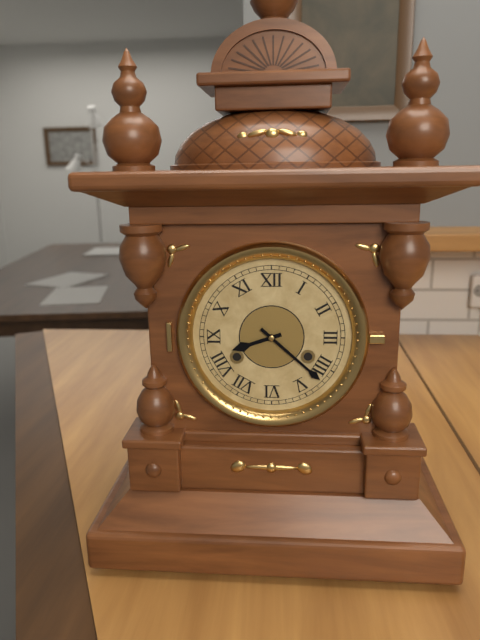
8:22
